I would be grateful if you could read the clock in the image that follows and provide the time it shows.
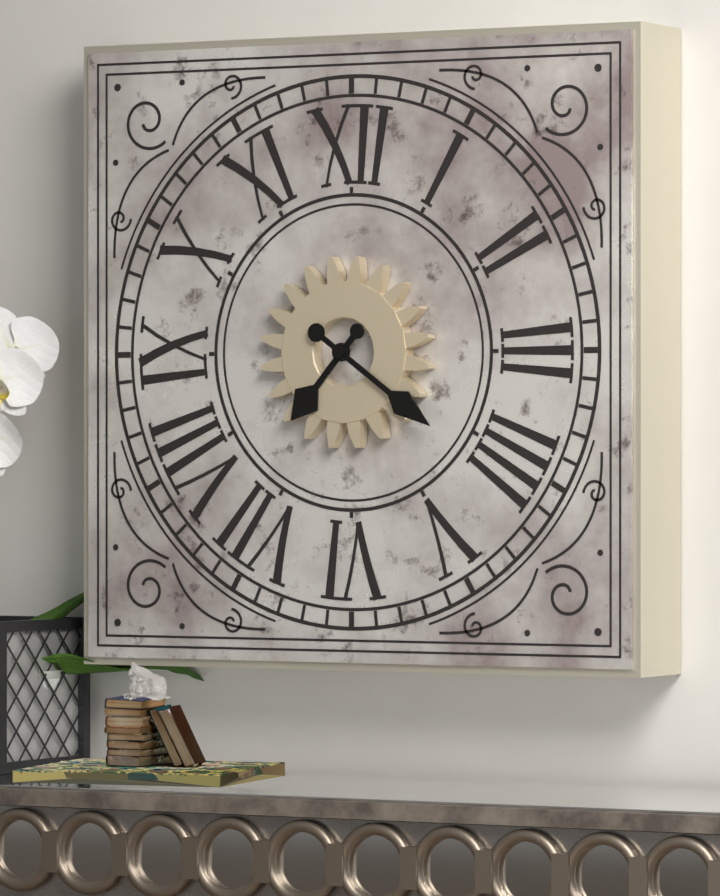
7:21
